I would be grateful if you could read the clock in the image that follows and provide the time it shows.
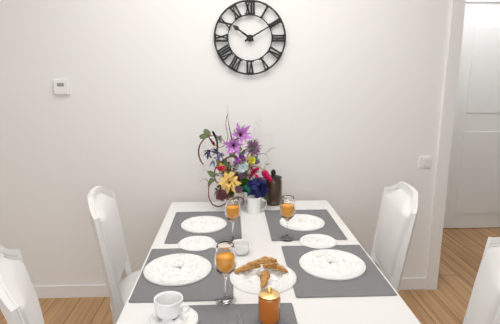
10:10
